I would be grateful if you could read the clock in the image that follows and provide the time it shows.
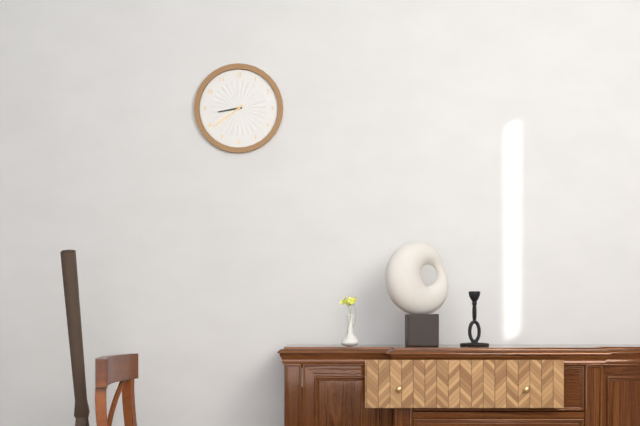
8:39
